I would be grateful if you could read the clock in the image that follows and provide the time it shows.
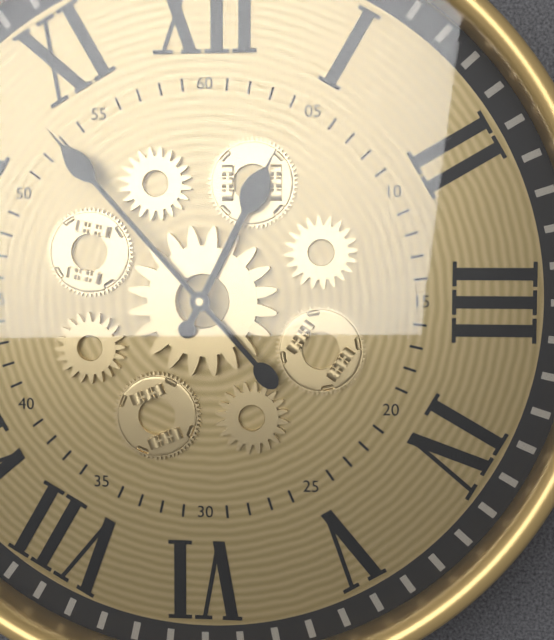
12:53
